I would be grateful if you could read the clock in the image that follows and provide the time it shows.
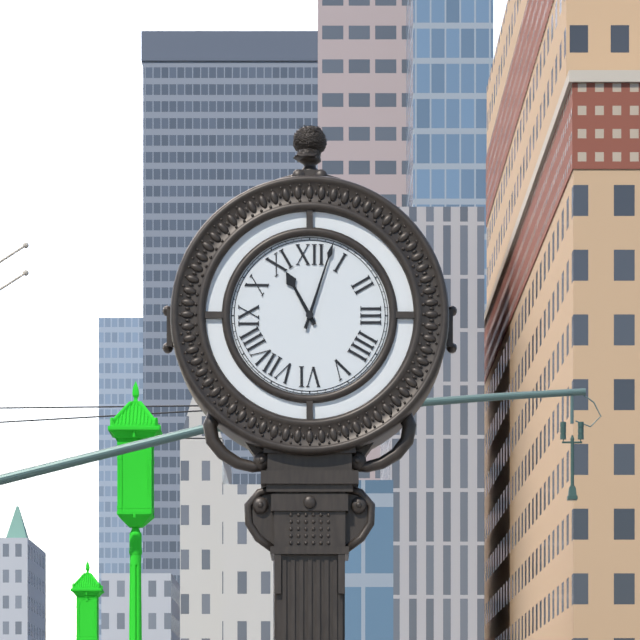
11:03
